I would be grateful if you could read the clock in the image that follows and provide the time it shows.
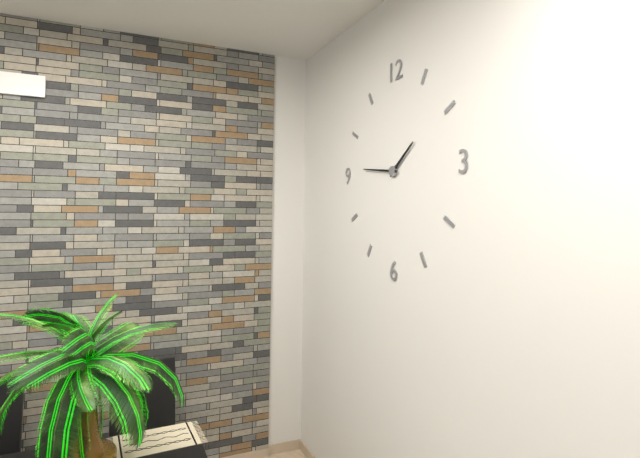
1:46
